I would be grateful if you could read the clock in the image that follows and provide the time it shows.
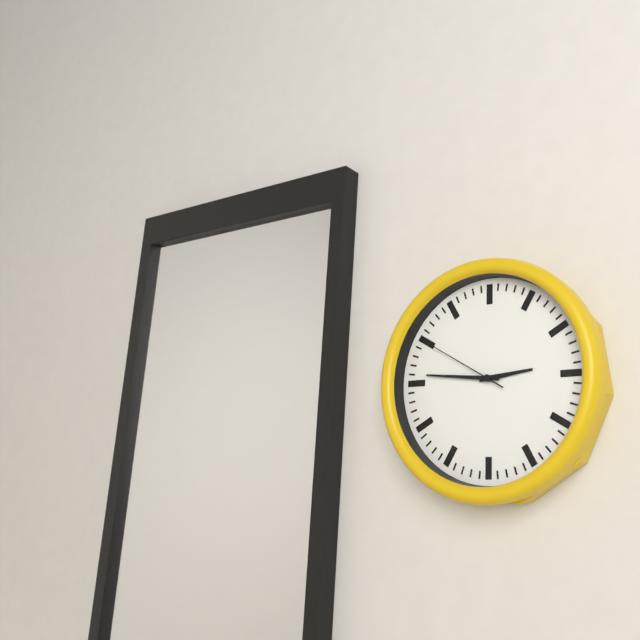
2:46:50
